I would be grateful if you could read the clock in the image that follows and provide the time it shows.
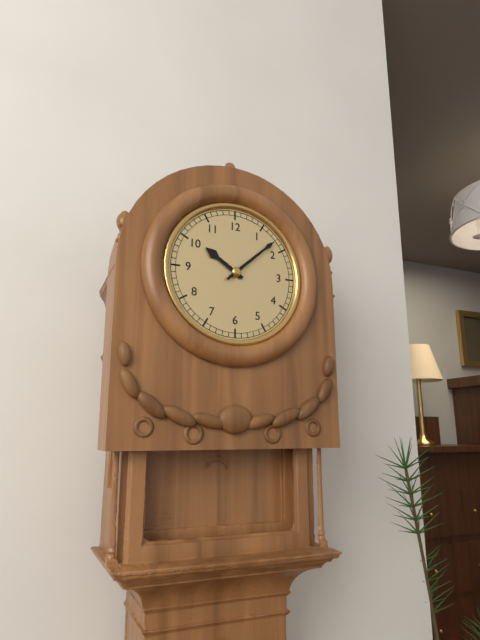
10:08
